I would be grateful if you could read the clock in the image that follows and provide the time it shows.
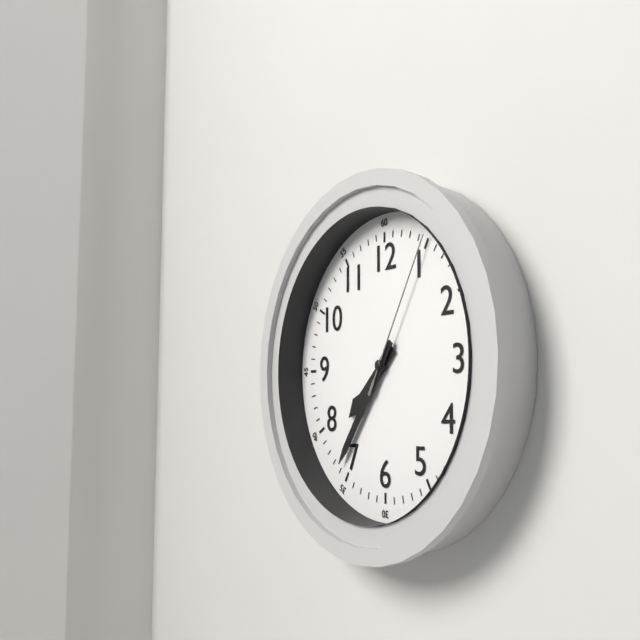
7:36:05
